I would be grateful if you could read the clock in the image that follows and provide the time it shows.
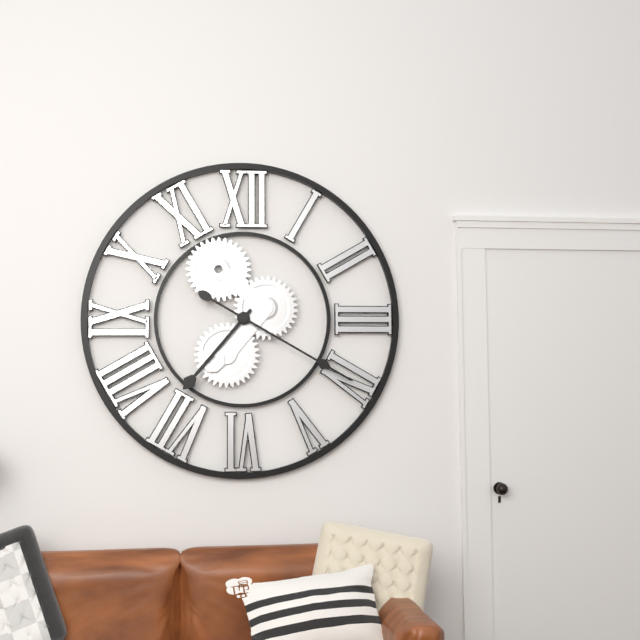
7:20
